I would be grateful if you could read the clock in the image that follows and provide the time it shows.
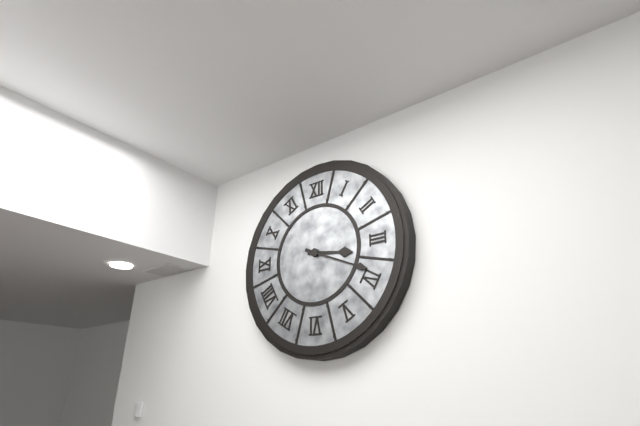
3:19
